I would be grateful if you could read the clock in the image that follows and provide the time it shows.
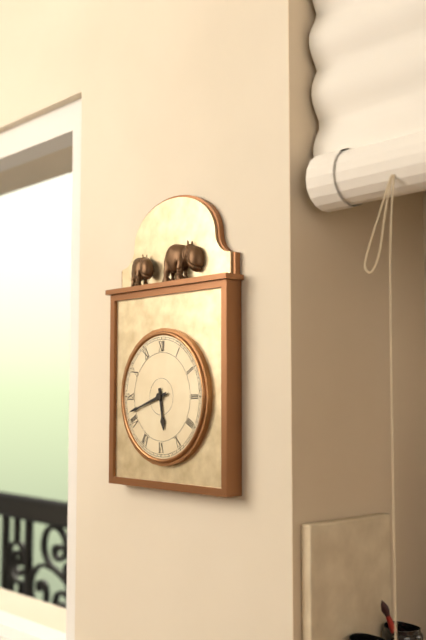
5:42
